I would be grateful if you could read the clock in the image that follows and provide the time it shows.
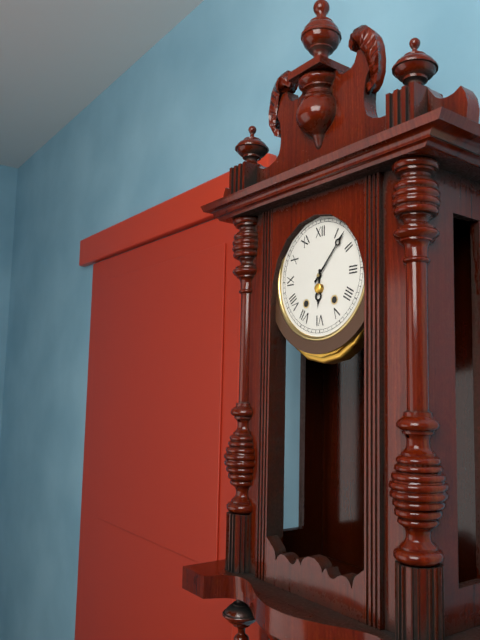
6:07
